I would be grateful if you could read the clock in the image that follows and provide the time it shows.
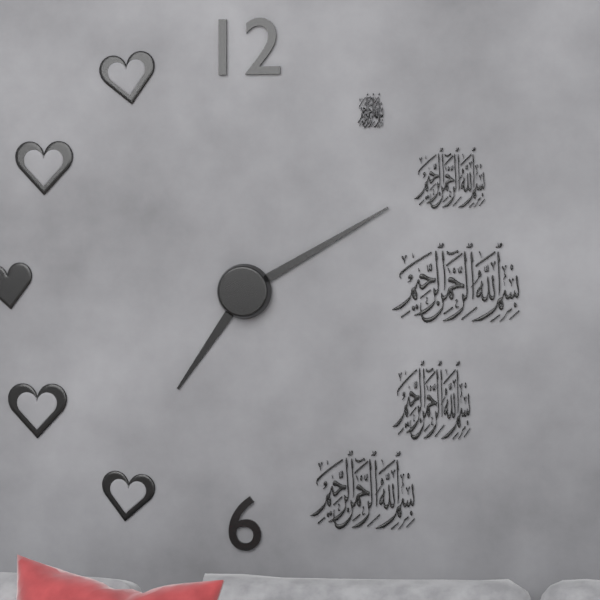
7:10
